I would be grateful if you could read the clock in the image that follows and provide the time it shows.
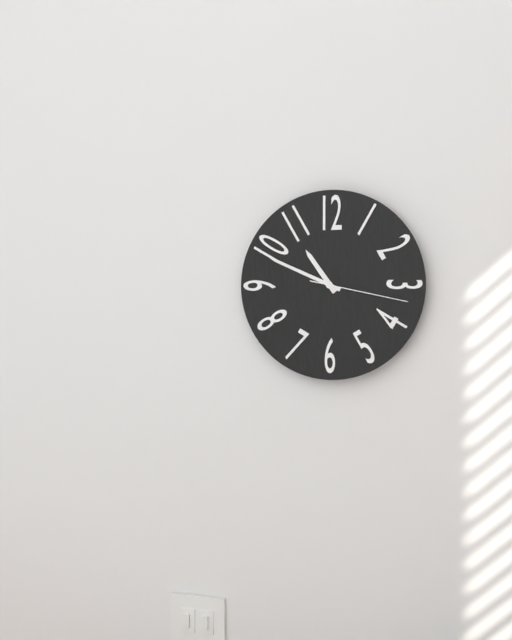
10:49:17
